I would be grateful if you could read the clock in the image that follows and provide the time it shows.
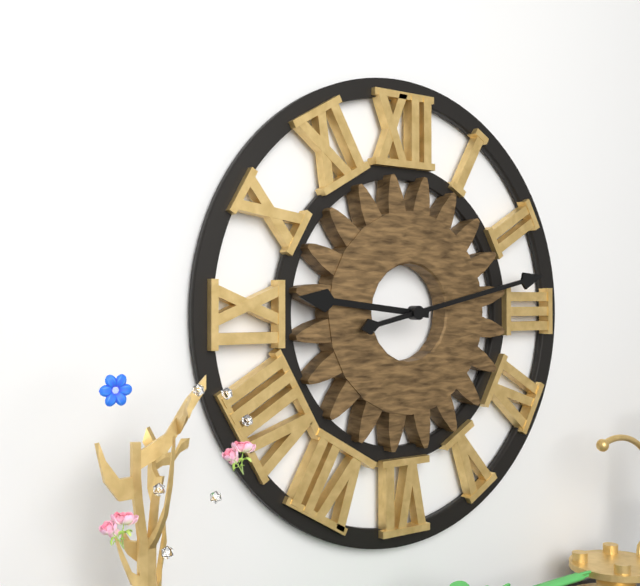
9:13
